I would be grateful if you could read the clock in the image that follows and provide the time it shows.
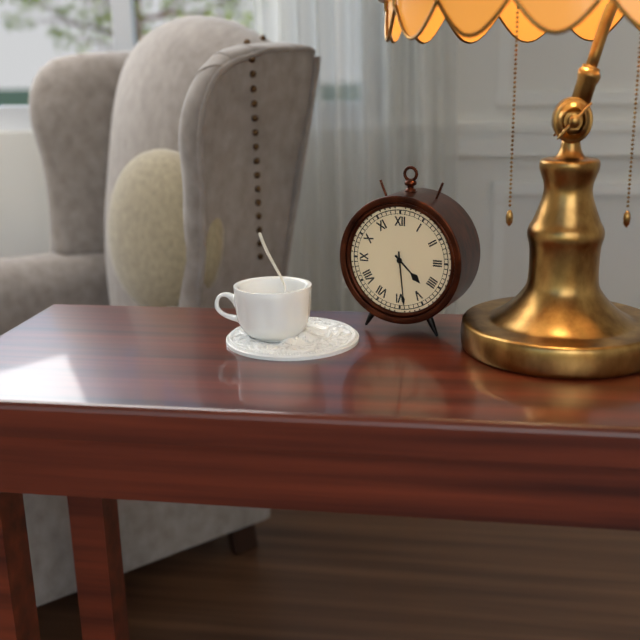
4:29
